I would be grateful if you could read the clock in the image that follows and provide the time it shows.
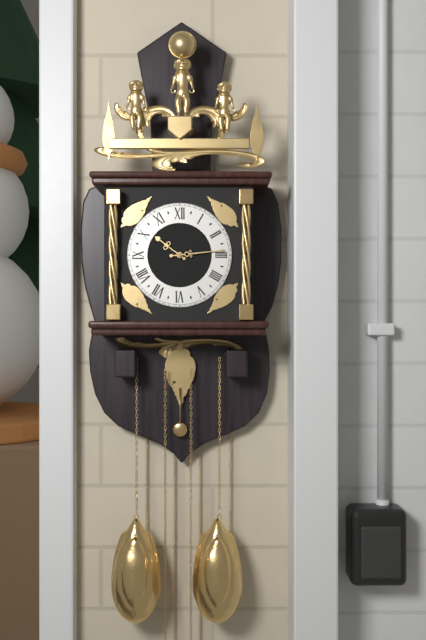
10:14
